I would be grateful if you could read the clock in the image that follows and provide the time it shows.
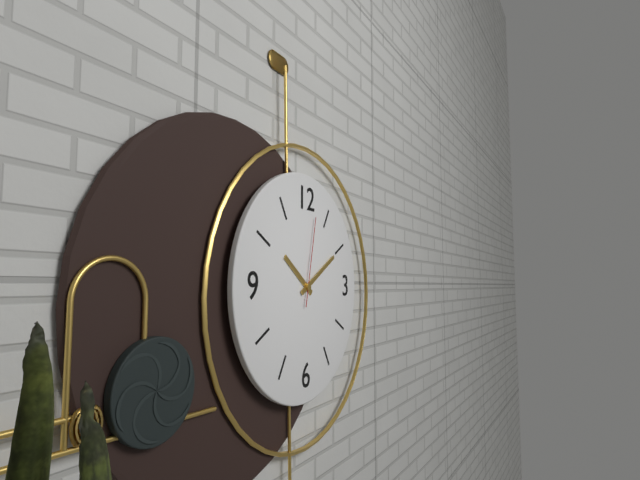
10:10:02
